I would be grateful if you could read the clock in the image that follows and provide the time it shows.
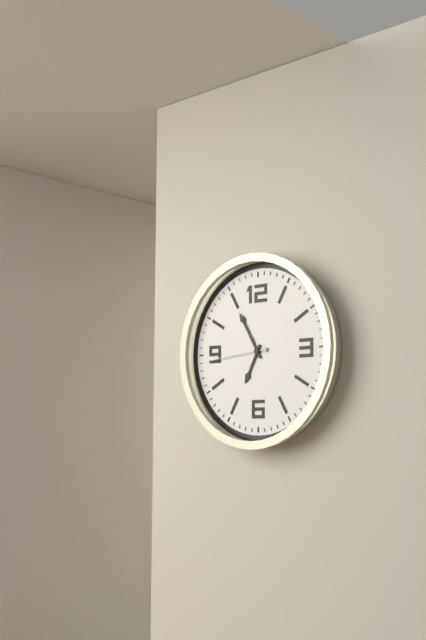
6:55:44
